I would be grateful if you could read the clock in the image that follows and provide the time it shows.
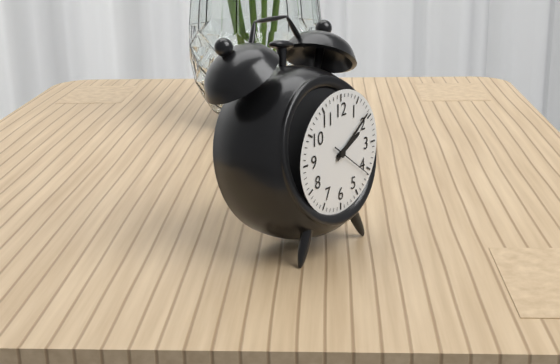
2:09
